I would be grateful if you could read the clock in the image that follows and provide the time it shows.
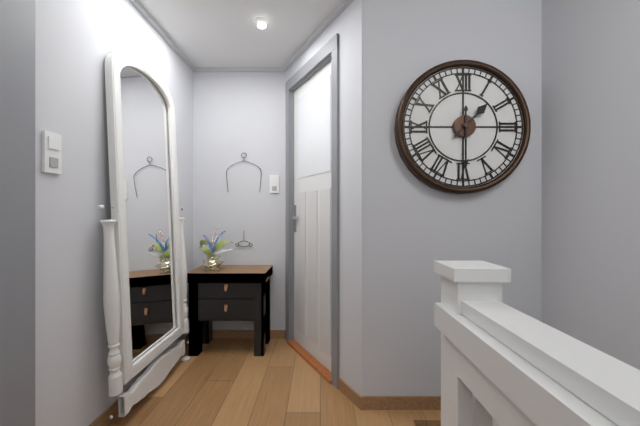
1:30
